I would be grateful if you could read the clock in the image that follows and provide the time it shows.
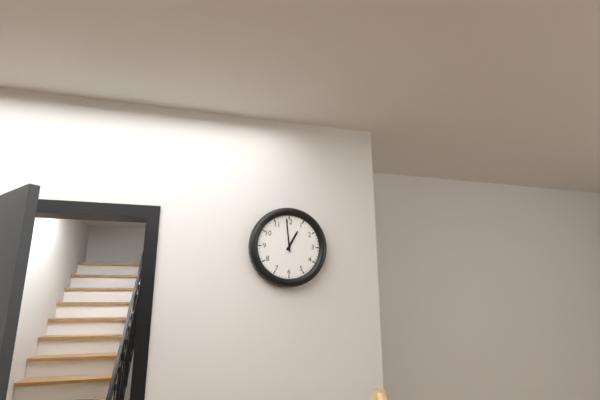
12:59
